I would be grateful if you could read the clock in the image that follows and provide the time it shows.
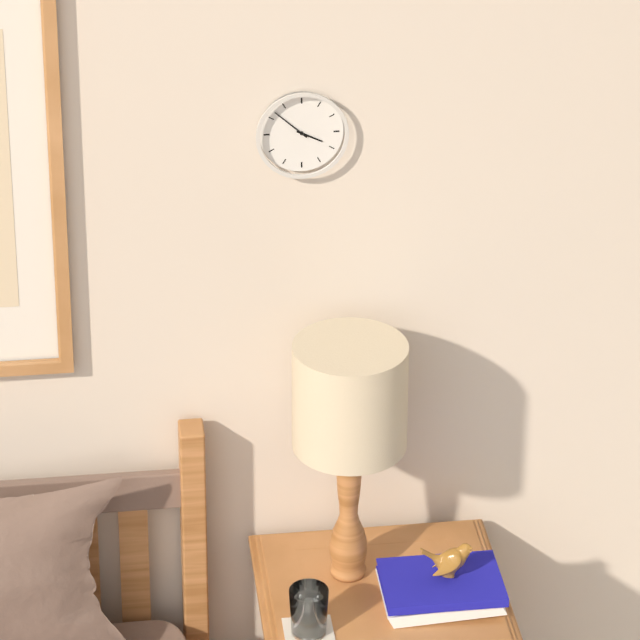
3:52
